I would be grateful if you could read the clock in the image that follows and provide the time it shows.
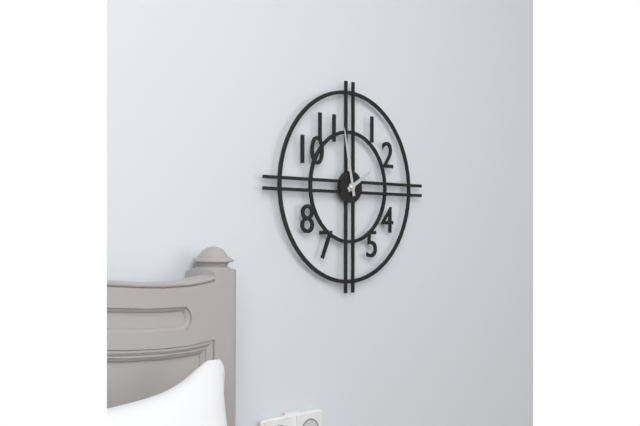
1:58
